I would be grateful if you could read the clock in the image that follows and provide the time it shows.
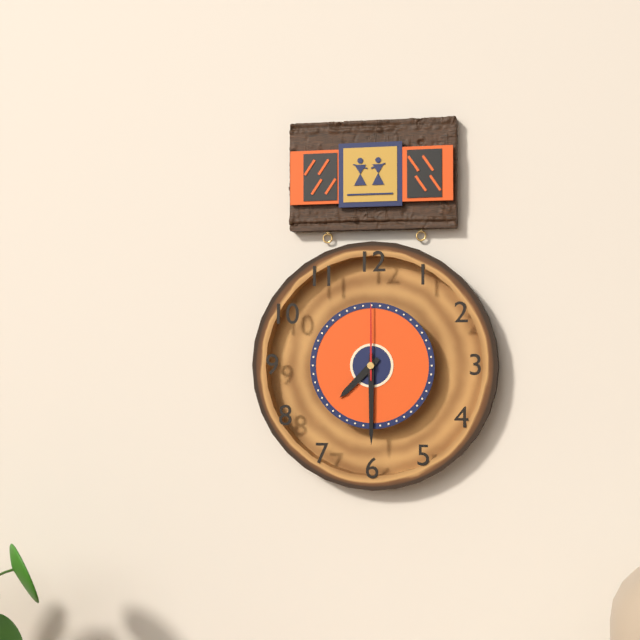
7:30:00
